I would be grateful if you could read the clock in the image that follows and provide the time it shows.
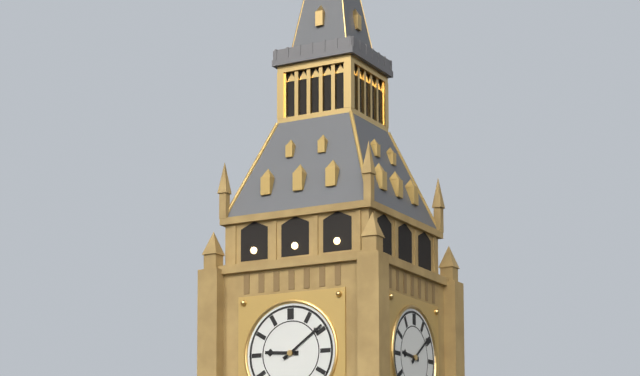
9:09
